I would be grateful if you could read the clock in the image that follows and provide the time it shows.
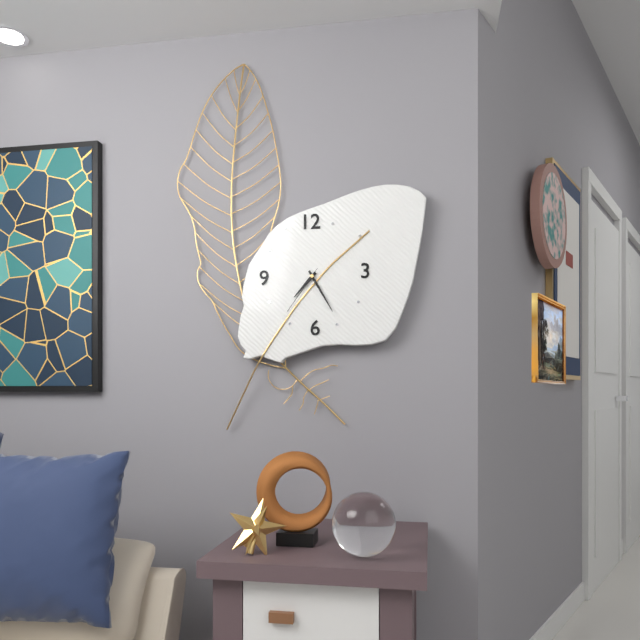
7:25:36
